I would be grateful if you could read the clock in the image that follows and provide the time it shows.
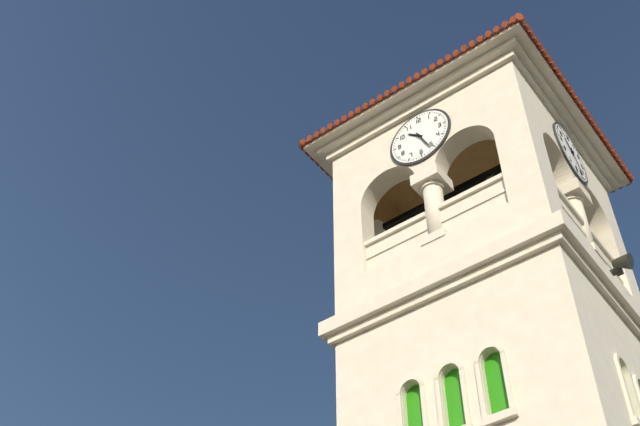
10:26
